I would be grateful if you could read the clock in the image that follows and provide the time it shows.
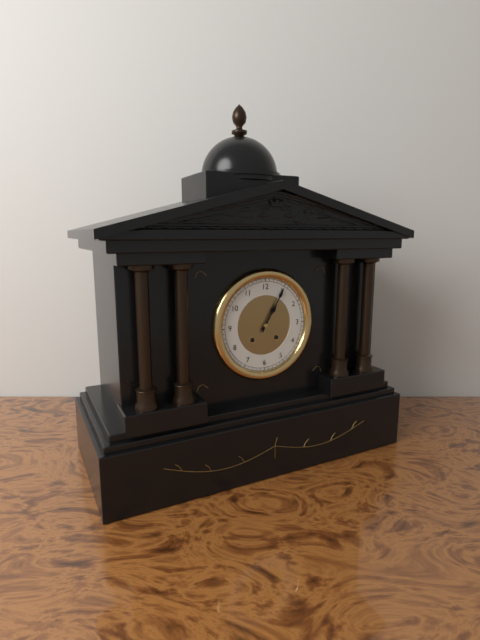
1:05
